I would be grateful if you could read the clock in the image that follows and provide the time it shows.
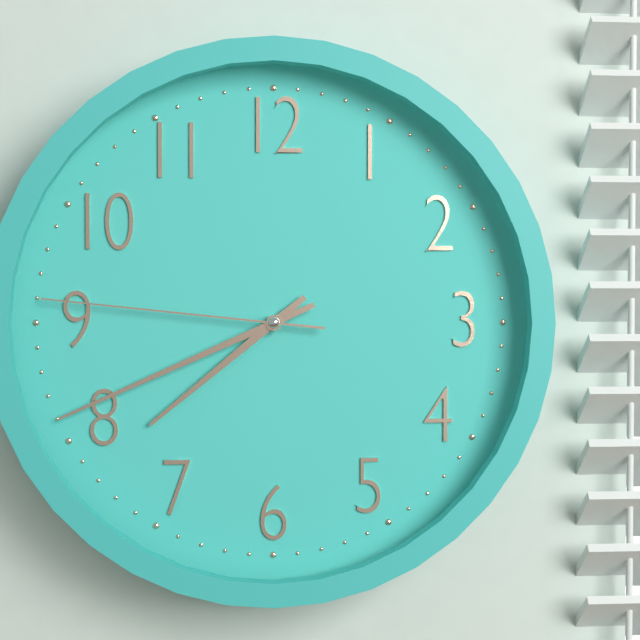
7:41:46
